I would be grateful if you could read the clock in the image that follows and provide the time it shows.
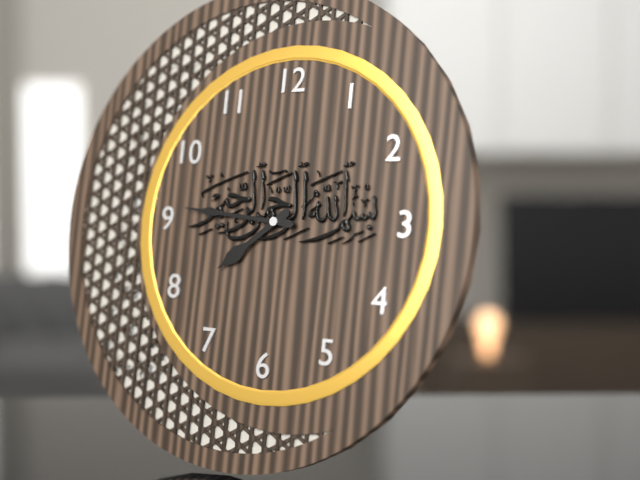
7:46
